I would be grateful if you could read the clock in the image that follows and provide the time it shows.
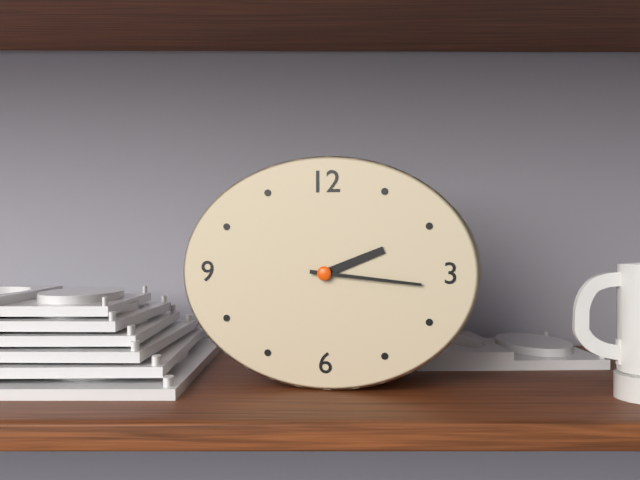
2:16
